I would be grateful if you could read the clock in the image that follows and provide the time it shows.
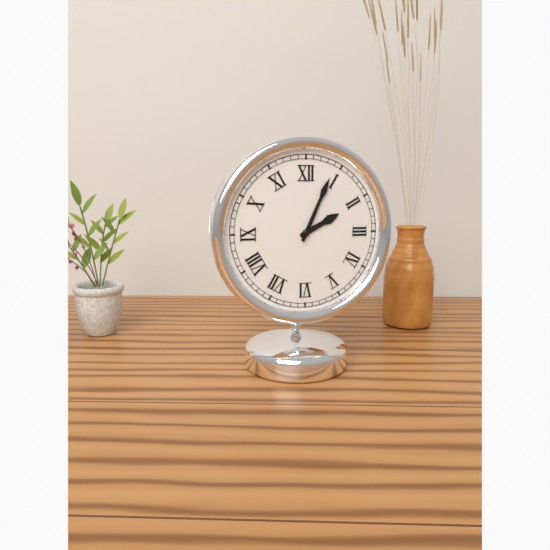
2:04
